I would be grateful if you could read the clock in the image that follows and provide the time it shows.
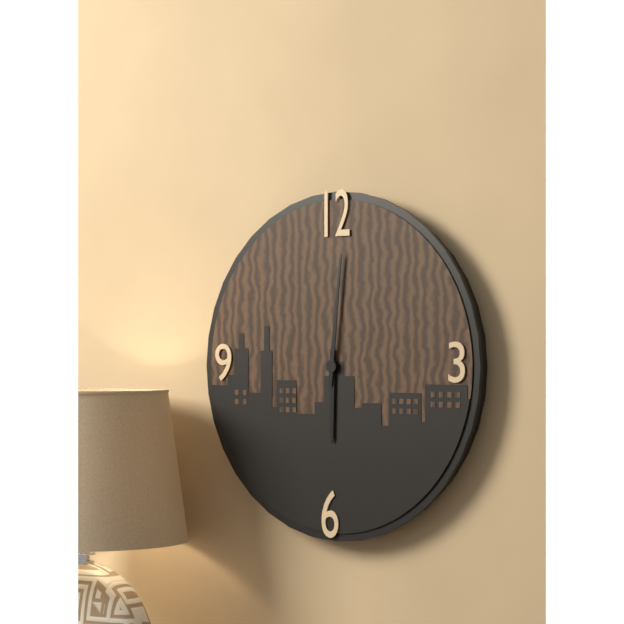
6:01
